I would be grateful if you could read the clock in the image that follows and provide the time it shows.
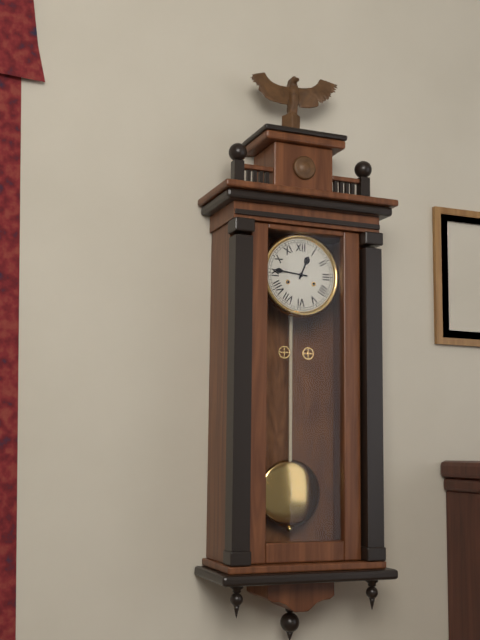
12:46
